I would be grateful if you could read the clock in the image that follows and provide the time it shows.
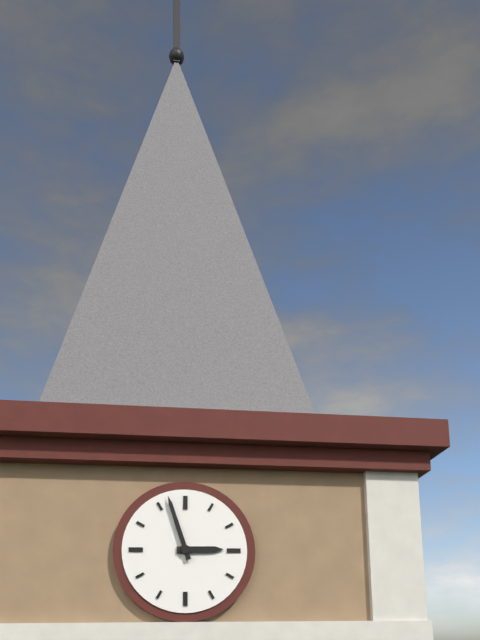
2:57
